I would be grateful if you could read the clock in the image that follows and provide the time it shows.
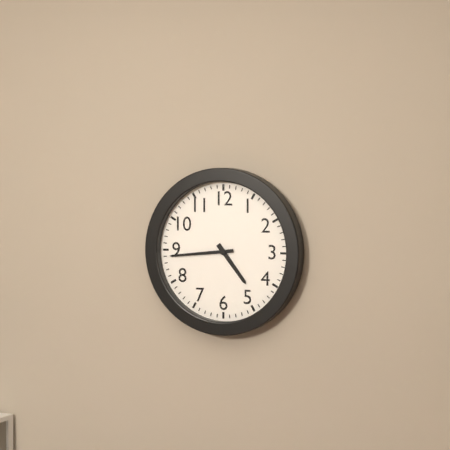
4:44
